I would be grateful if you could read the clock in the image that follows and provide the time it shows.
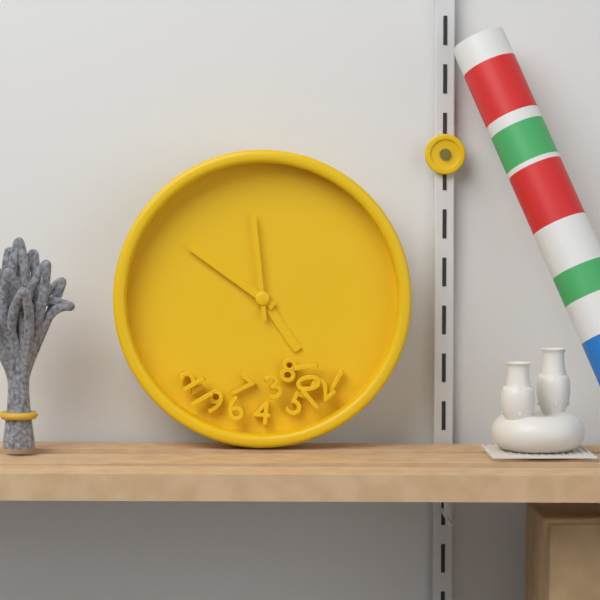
4:51:59
